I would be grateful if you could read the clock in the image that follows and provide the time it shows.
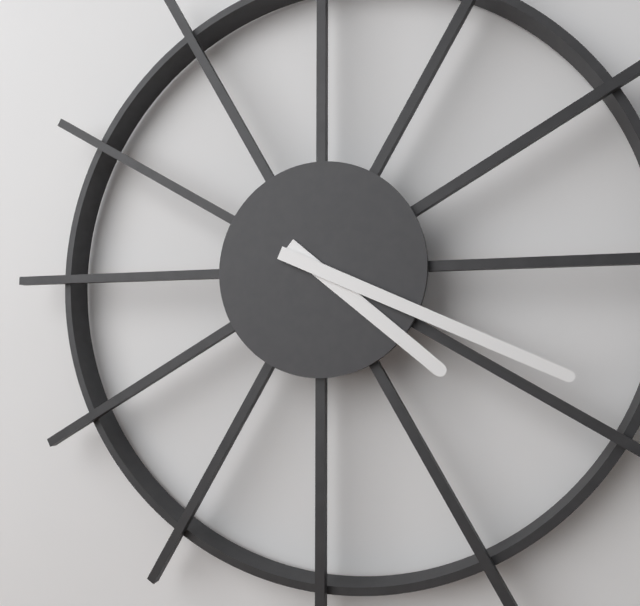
4:19
